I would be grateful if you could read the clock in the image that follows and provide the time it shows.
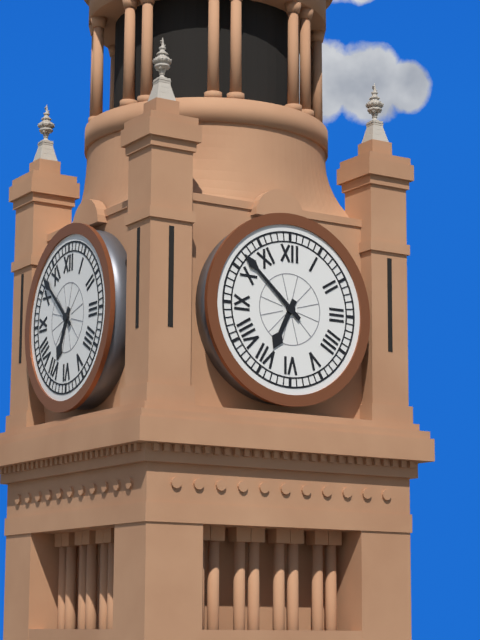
6:52
